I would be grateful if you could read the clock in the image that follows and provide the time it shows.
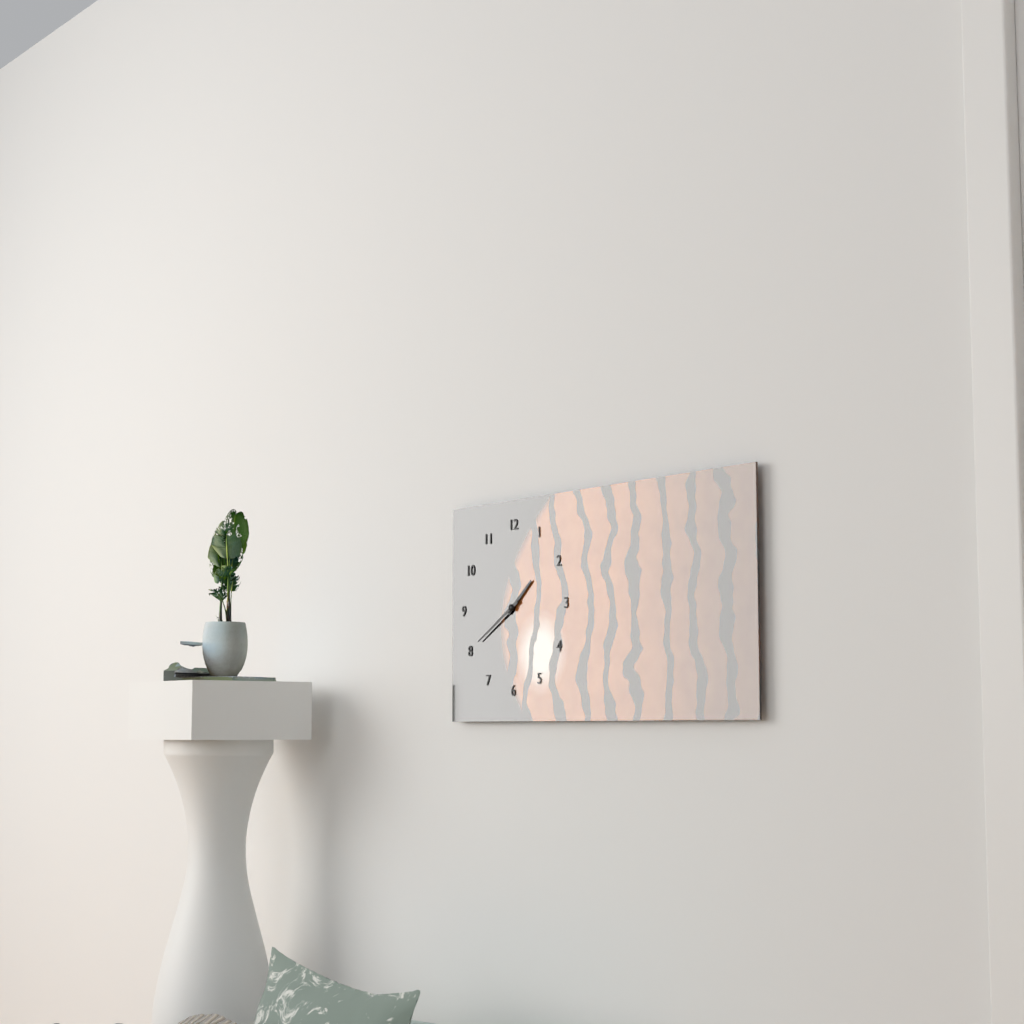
1:40
